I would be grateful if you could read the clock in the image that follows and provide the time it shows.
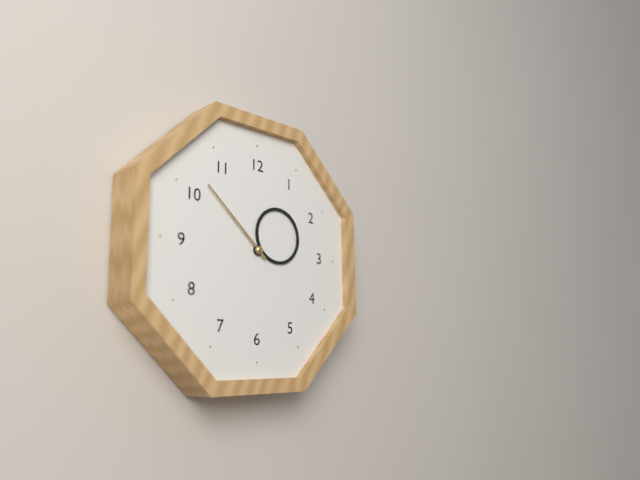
1:52
